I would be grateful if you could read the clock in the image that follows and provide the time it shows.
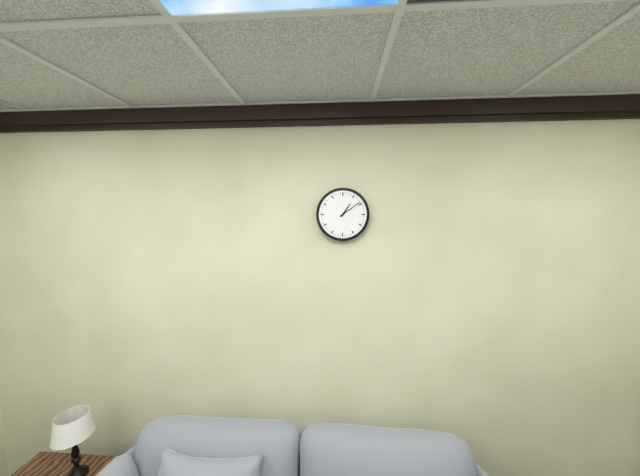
1:09
